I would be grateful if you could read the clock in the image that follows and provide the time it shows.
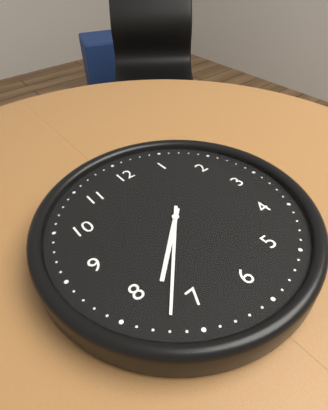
7:37
